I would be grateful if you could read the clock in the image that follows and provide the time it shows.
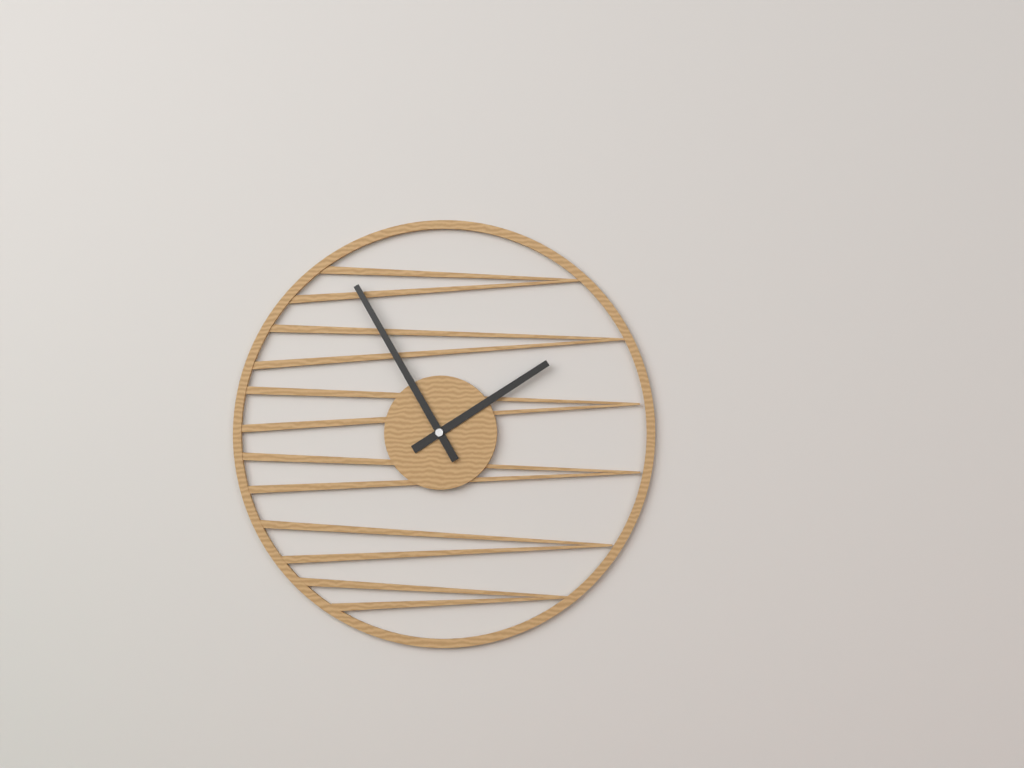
1:55
